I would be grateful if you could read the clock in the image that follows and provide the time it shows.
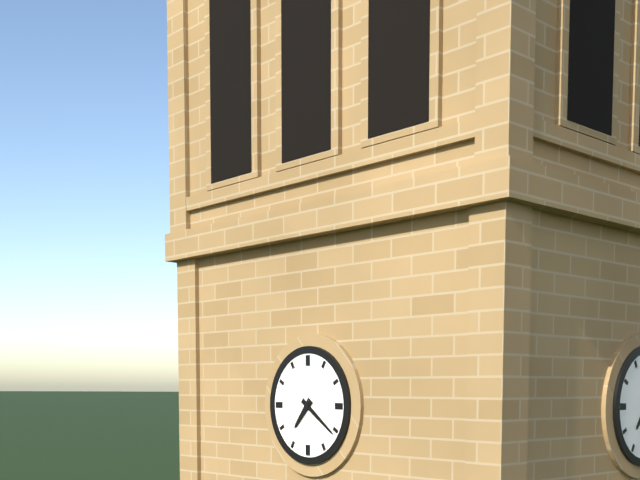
7:21
